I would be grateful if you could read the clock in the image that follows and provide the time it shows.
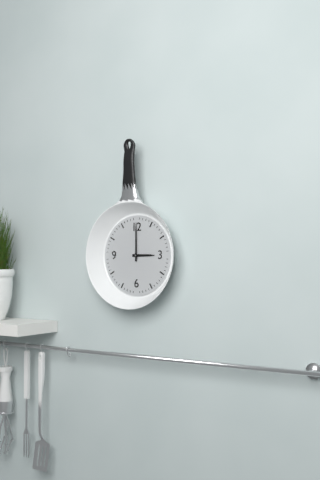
3:00
